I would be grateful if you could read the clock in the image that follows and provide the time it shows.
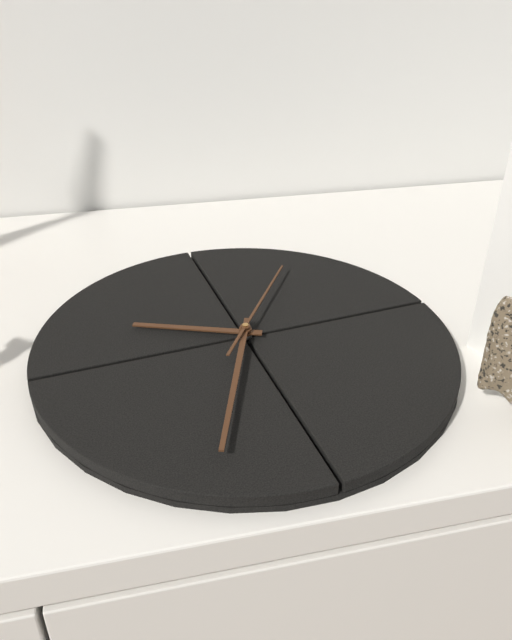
10:38:10
